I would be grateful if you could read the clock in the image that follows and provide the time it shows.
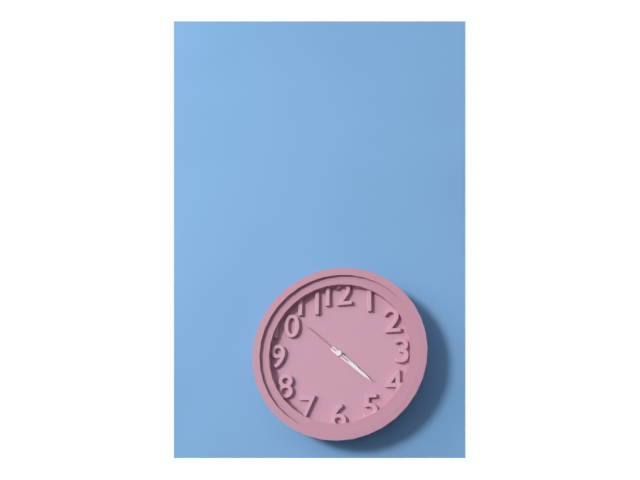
4:22:52
